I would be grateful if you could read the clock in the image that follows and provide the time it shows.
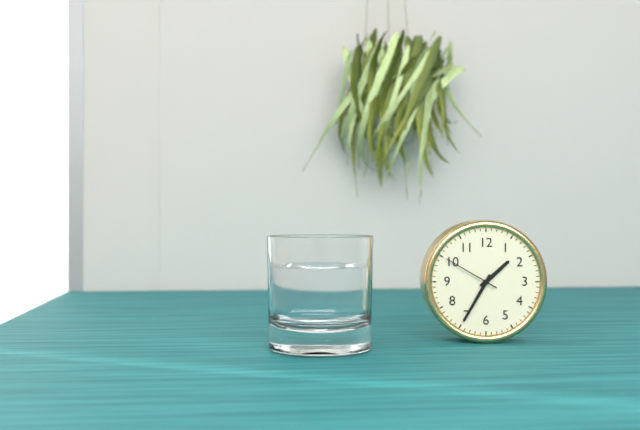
1:35:50
